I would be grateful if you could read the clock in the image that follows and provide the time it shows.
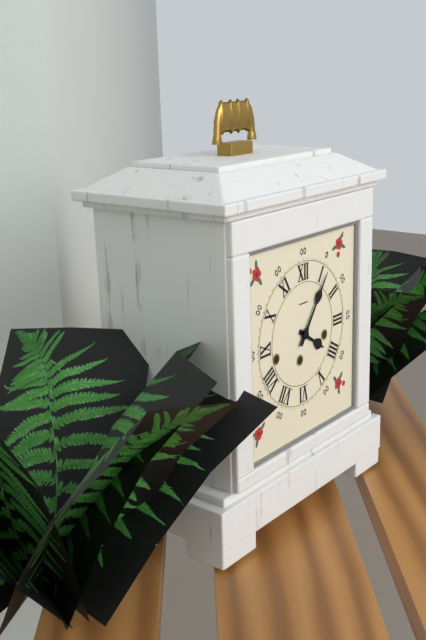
4:06
